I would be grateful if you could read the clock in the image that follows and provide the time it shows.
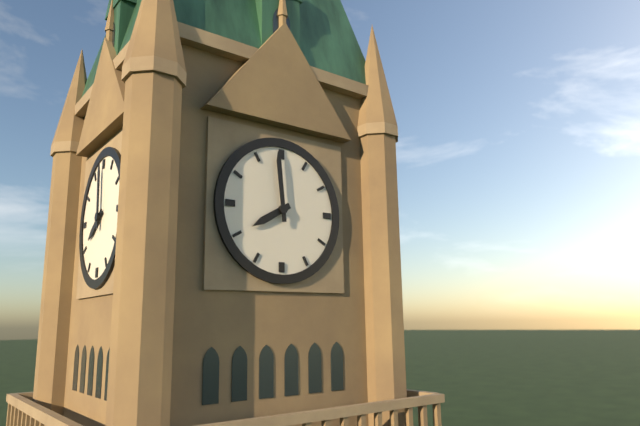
7:59
